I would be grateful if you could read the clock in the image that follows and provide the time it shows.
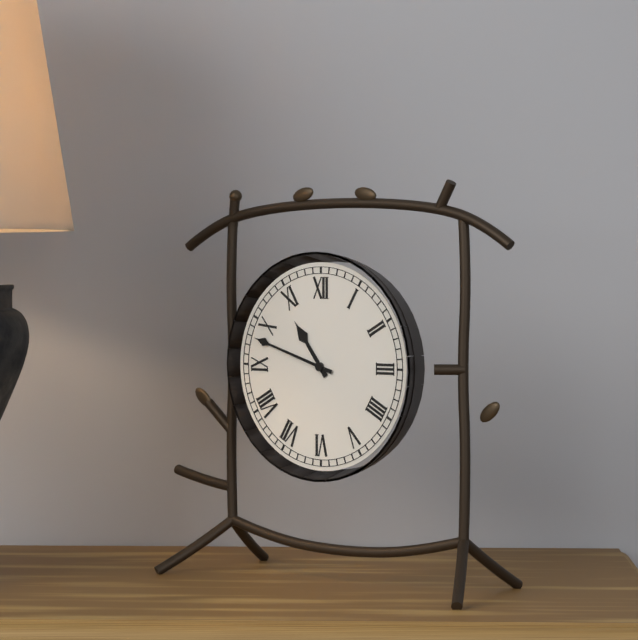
10:48
